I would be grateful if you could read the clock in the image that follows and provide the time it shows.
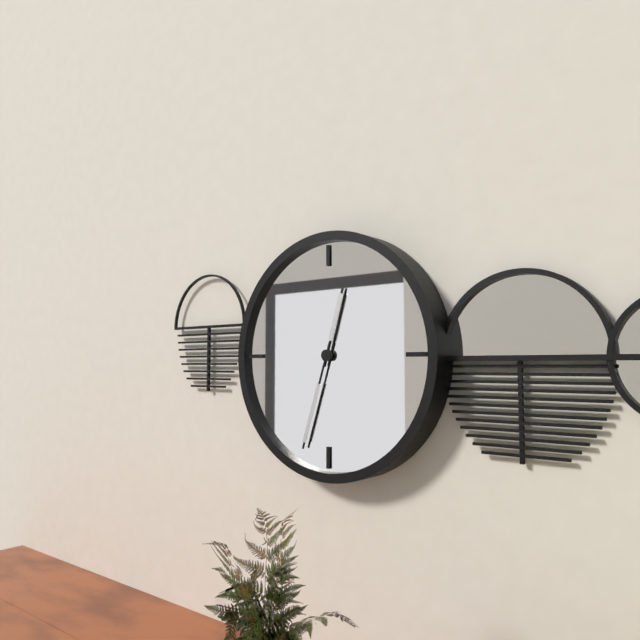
12:33
